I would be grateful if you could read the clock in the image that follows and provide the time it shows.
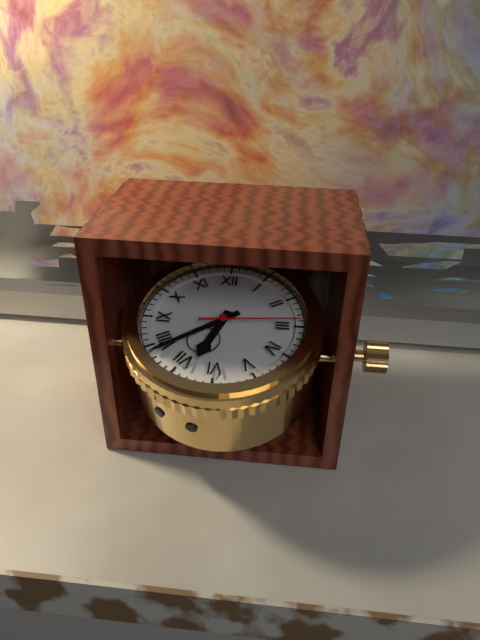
6:39:14
